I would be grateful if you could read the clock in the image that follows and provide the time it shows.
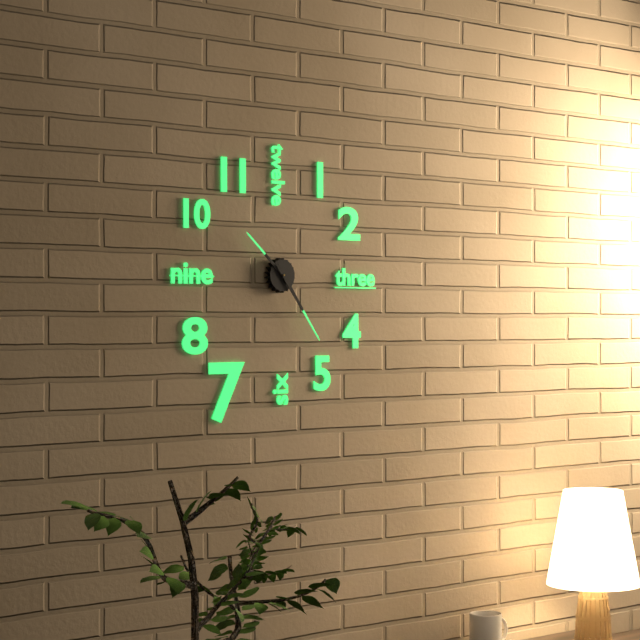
10:24
